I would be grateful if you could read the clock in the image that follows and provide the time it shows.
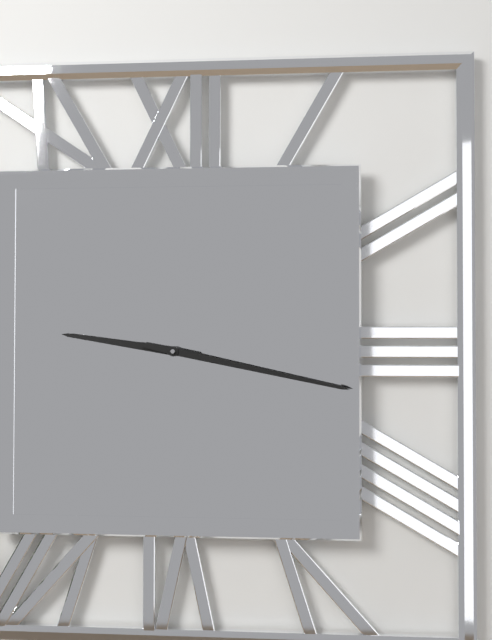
9:17
